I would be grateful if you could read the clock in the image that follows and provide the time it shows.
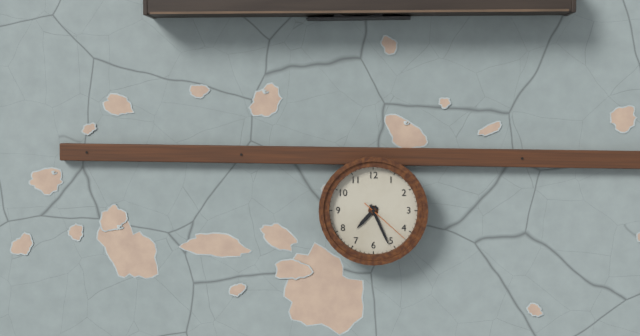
7:26:22
